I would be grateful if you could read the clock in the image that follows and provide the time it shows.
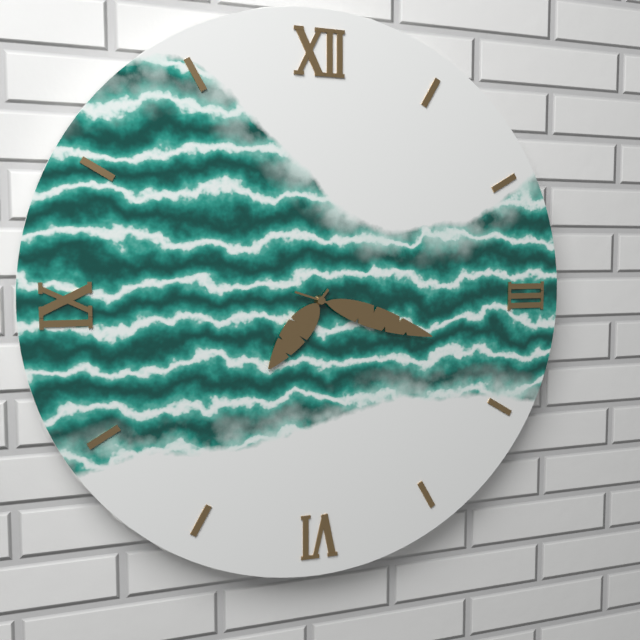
7:18
